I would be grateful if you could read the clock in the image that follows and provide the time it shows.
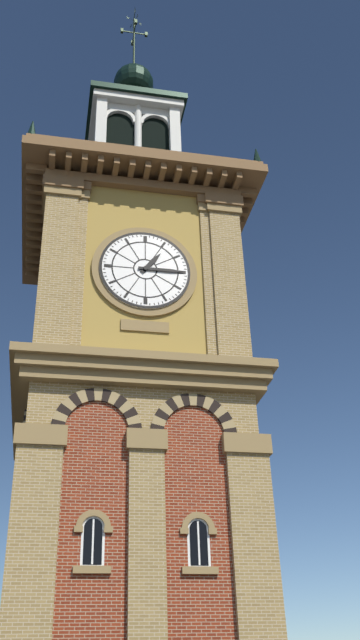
1:15
